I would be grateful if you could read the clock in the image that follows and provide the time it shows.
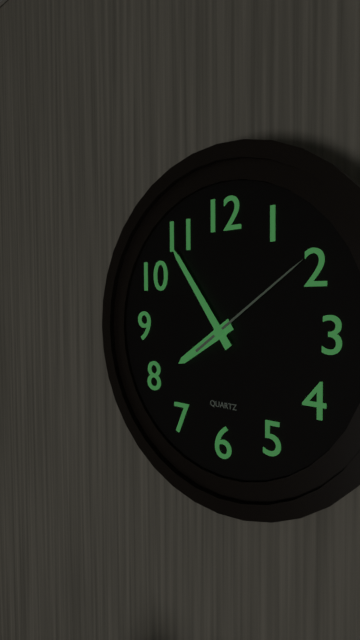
7:54:09
